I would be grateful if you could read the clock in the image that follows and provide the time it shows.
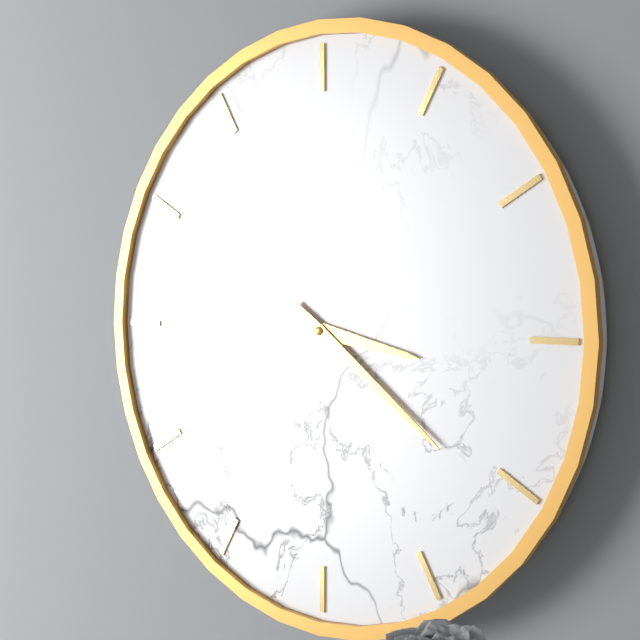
3:21
